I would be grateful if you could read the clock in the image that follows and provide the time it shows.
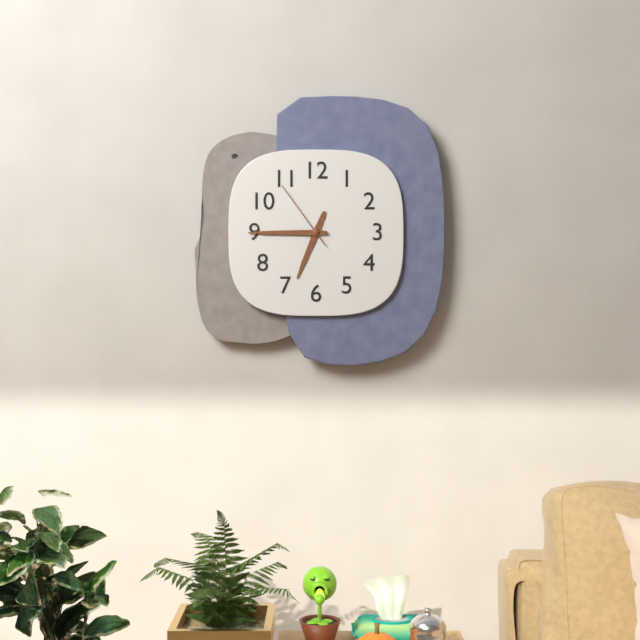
6:45:54
